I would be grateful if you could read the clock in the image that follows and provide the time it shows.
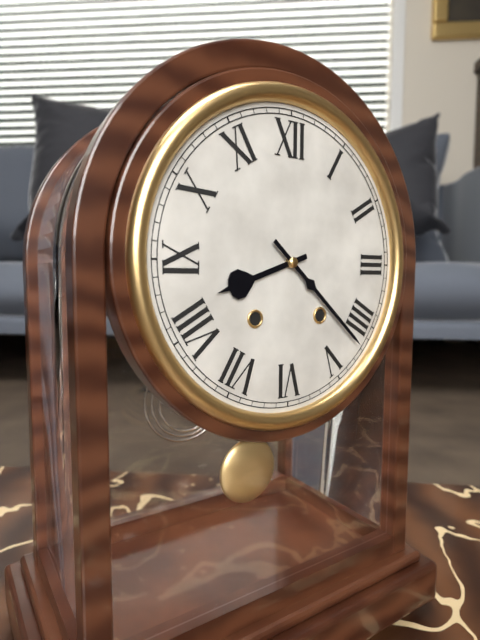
8:22
